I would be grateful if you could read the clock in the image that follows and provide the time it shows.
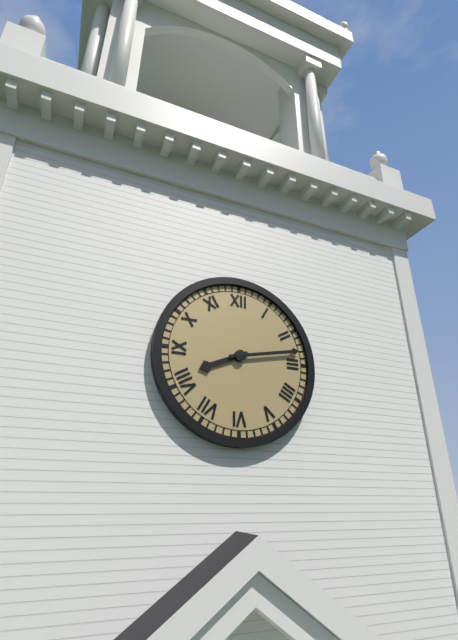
8:13
